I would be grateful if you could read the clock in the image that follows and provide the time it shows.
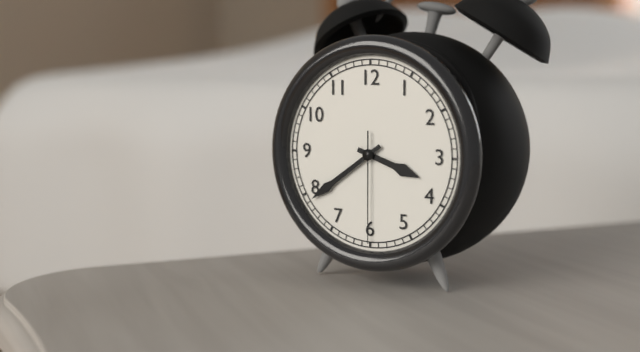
3:39:30
